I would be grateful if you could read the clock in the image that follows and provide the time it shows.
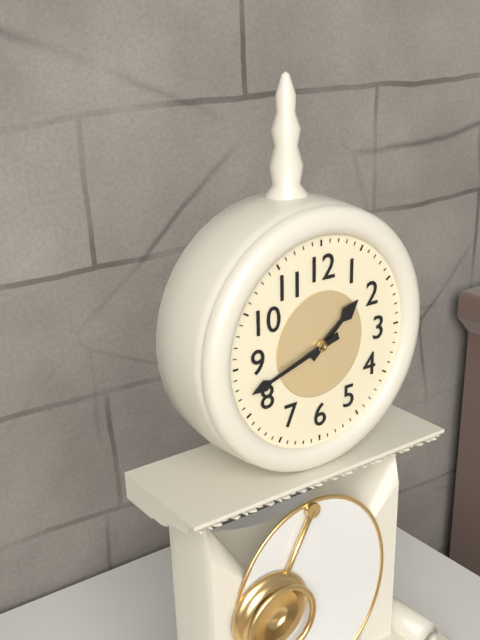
1:42
